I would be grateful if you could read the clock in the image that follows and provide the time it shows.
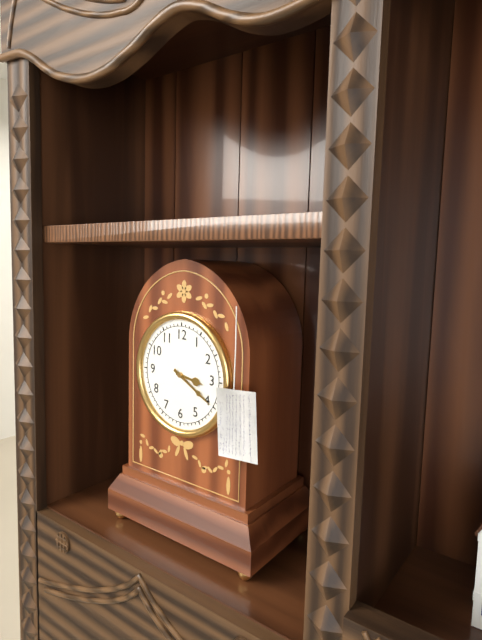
3:20
